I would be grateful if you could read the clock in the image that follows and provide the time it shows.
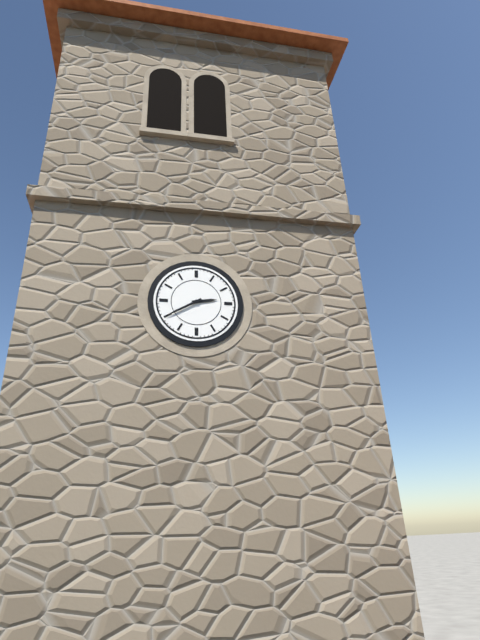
2:40
